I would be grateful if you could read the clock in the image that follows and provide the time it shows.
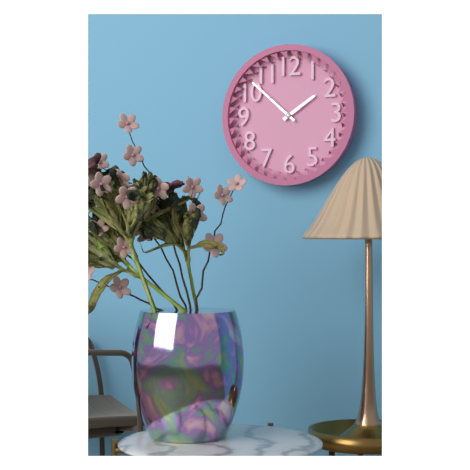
1:52
